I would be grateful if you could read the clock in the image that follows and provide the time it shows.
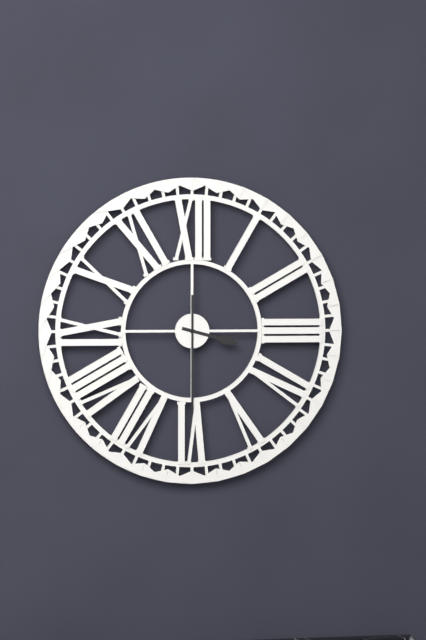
3:30
